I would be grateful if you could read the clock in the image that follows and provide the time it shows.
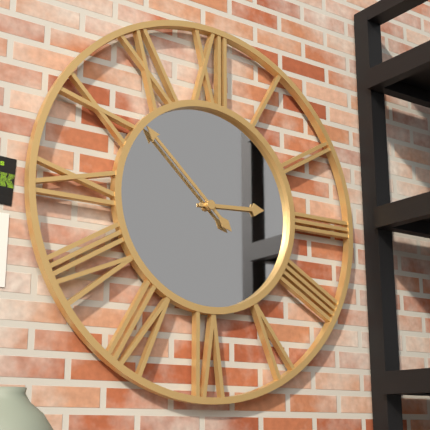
2:52
